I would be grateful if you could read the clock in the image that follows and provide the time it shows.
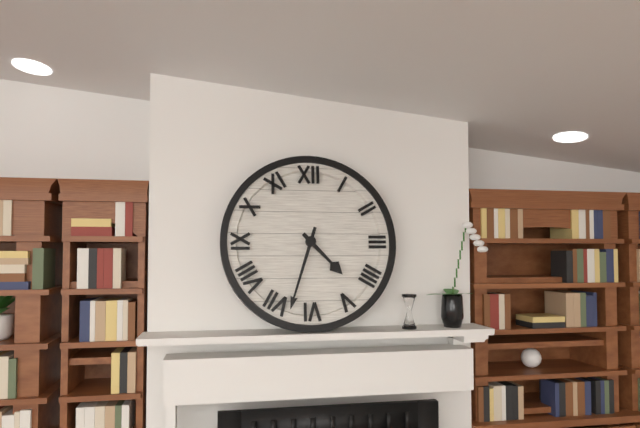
4:33
